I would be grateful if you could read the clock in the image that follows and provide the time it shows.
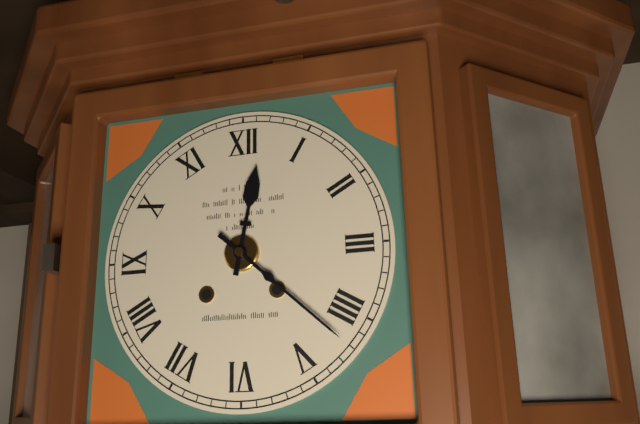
12:22
